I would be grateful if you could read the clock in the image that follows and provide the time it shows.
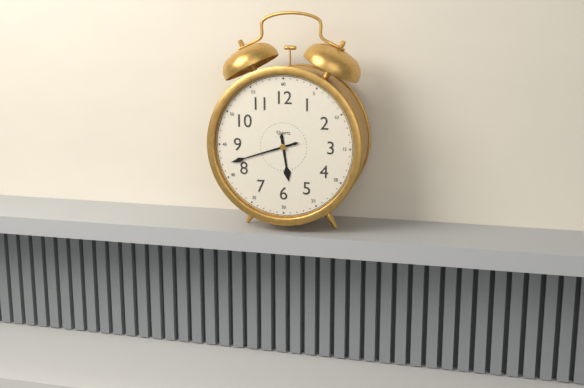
5:42
